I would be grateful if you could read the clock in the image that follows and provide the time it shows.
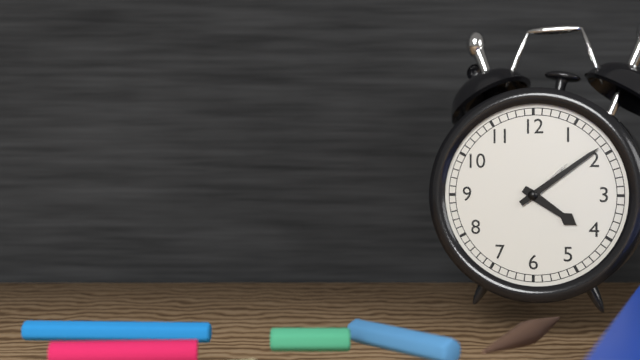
4:09
